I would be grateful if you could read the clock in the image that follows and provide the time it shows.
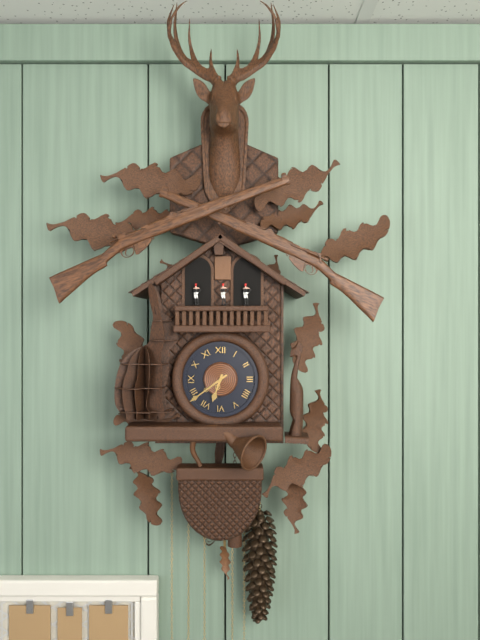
6:39
